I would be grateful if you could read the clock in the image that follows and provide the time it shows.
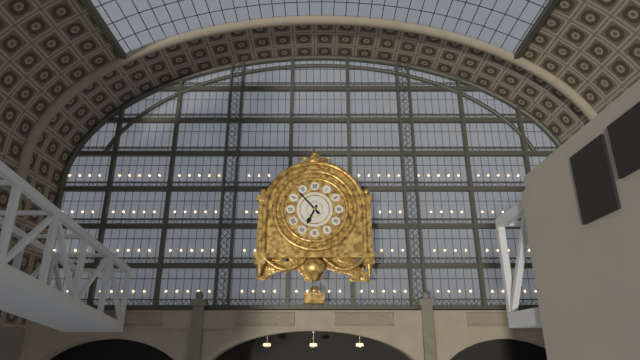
6:53
